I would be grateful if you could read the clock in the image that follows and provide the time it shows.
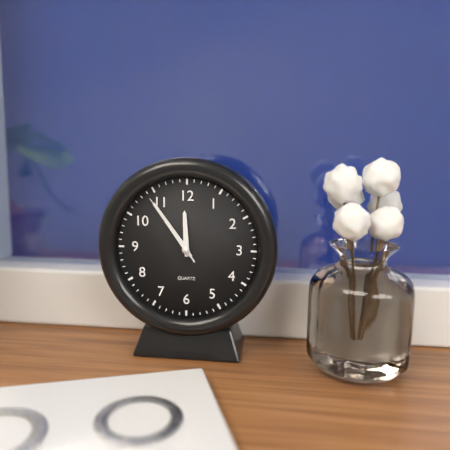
11:54:54
